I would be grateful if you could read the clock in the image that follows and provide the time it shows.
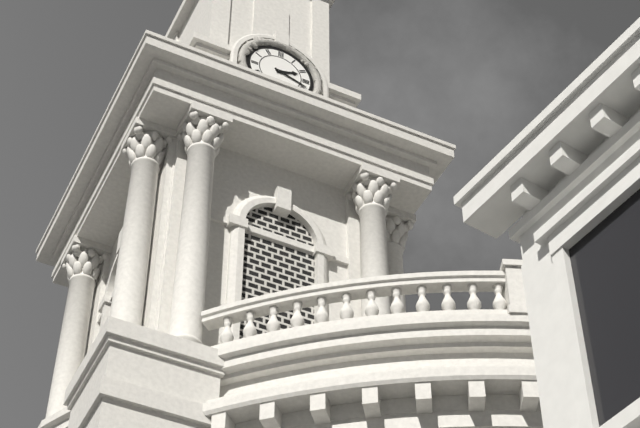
2:18
